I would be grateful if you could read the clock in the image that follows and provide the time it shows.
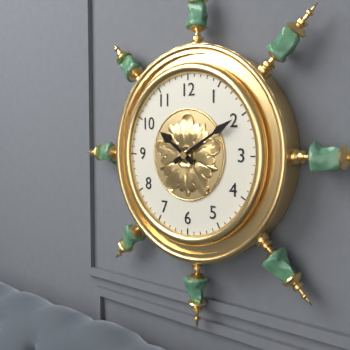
10:10
